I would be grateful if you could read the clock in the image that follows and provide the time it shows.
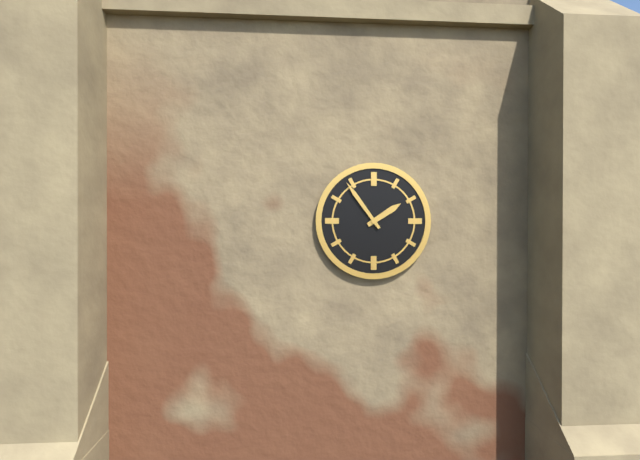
1:54
